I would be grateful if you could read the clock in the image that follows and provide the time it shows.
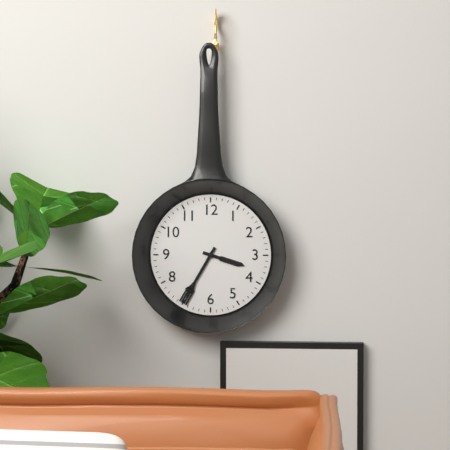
3:35
